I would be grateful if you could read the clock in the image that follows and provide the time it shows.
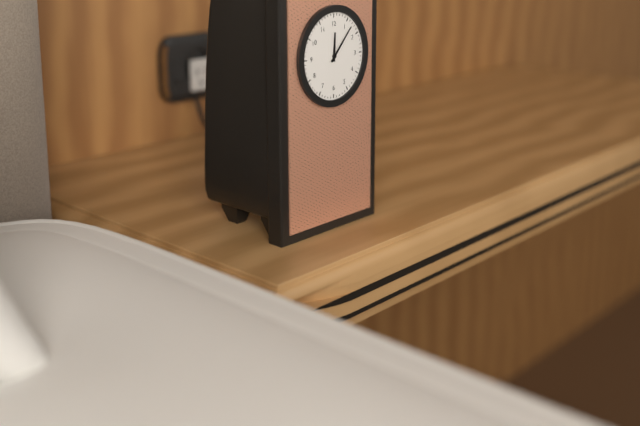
12:07
